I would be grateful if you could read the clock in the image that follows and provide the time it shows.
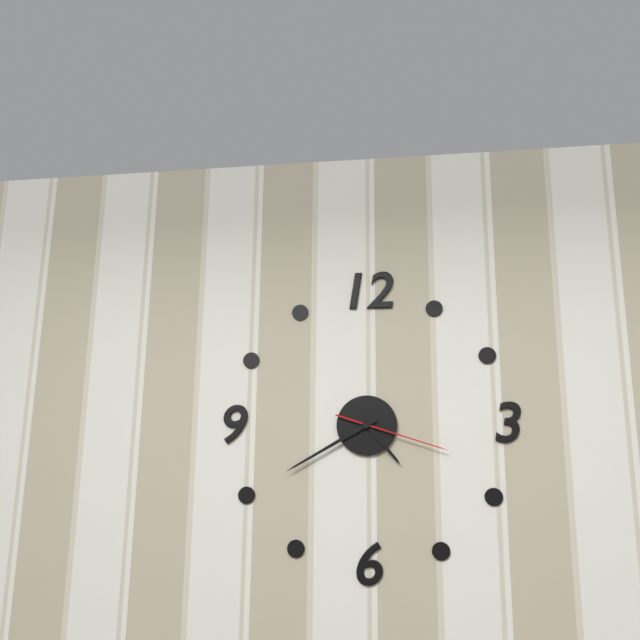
4:40:18
